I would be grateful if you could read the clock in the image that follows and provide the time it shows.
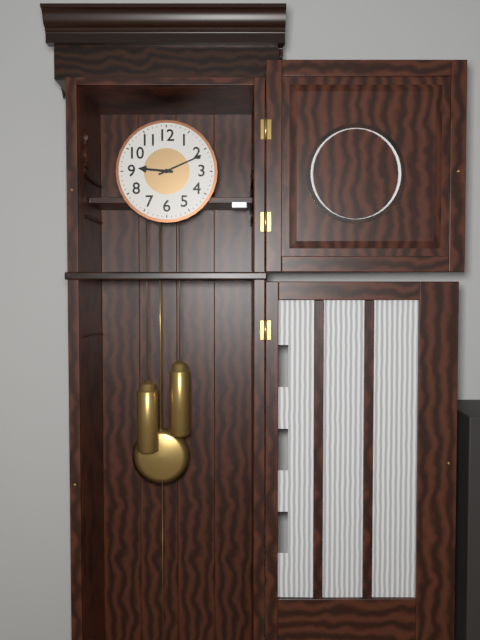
9:11
